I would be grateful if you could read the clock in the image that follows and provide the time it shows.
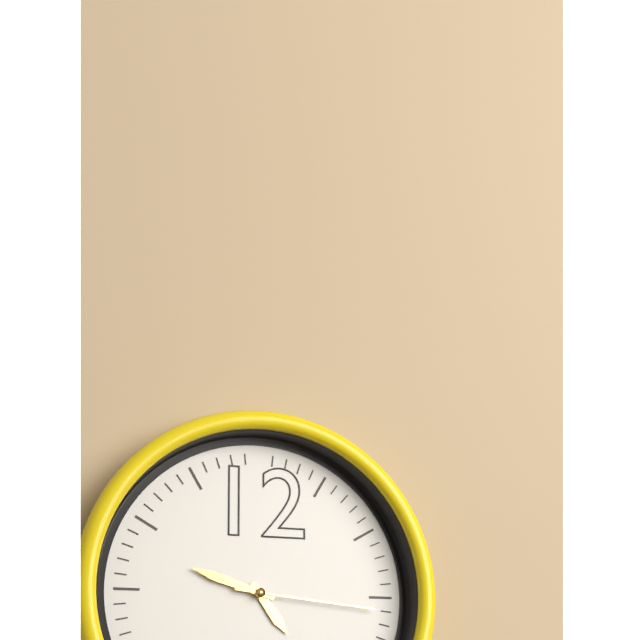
4:48:16
